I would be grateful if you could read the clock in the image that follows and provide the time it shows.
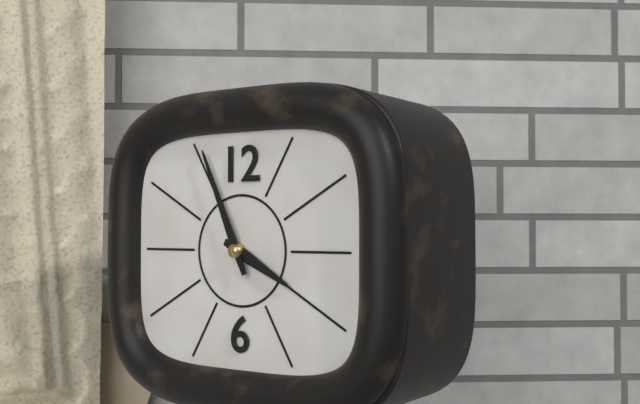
3:56
